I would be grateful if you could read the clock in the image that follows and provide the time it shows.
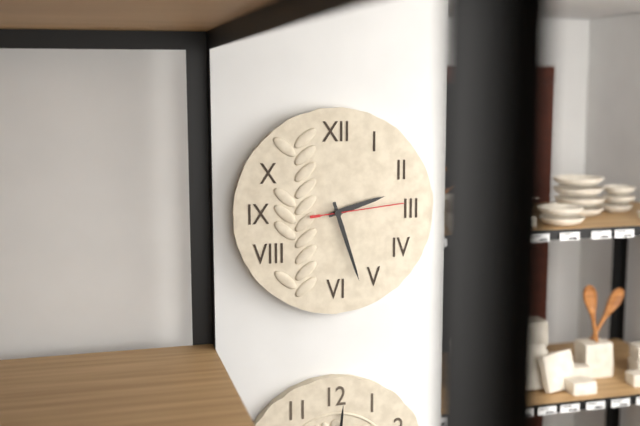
2:27:14
